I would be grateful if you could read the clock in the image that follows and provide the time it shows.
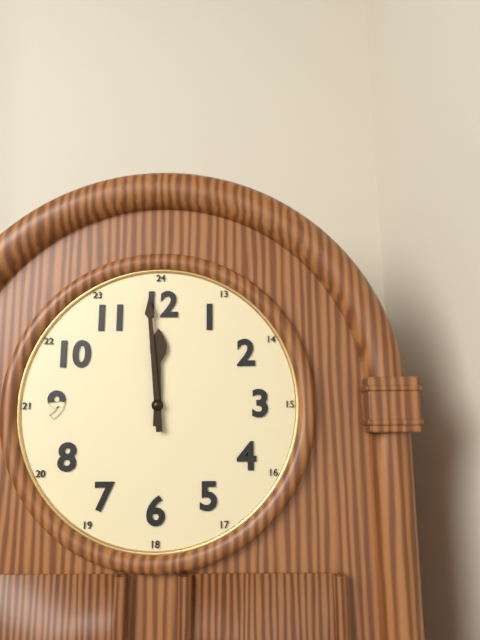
11:59
